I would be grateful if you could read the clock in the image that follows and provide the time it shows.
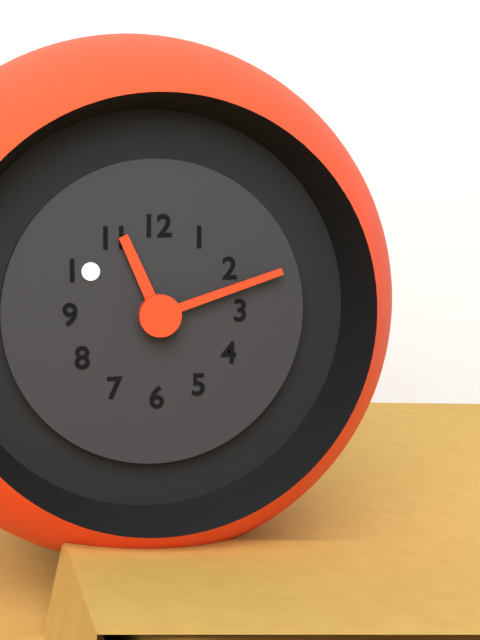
11:12
